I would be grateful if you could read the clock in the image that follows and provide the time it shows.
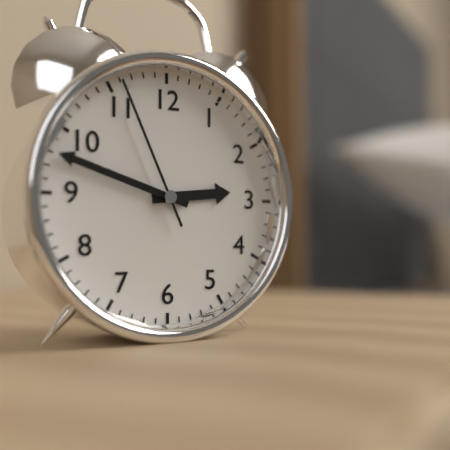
2:48:56
